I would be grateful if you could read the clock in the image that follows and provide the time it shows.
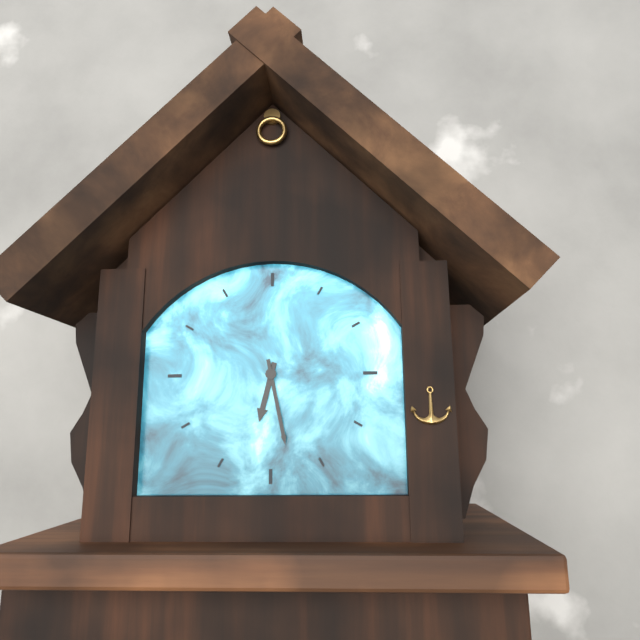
6:28
